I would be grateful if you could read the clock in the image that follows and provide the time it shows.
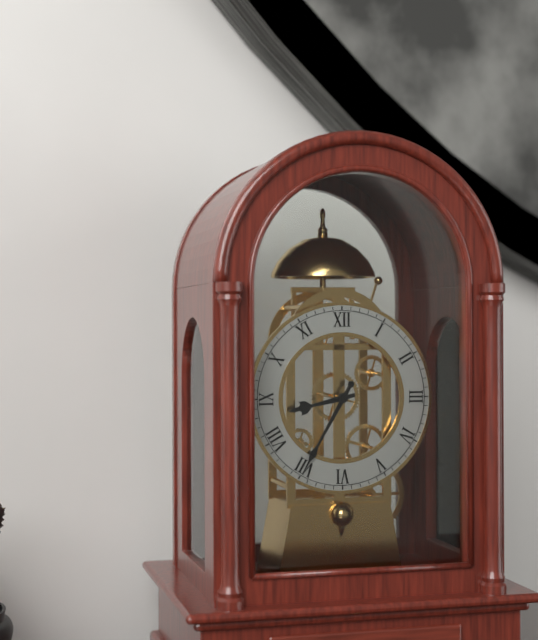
8:35
